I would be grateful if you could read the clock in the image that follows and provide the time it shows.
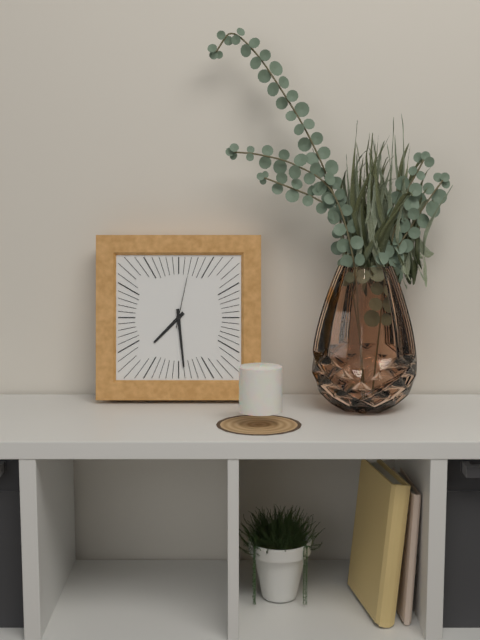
7:29:02
